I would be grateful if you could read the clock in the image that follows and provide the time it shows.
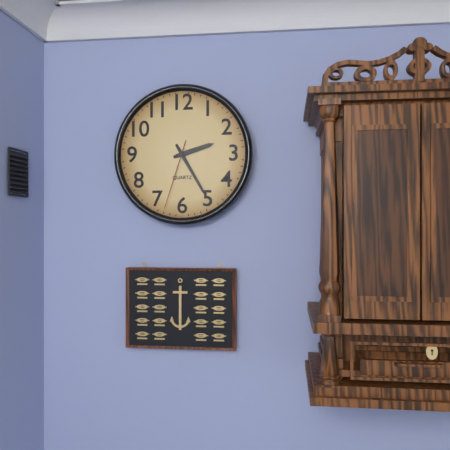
2:25:33
